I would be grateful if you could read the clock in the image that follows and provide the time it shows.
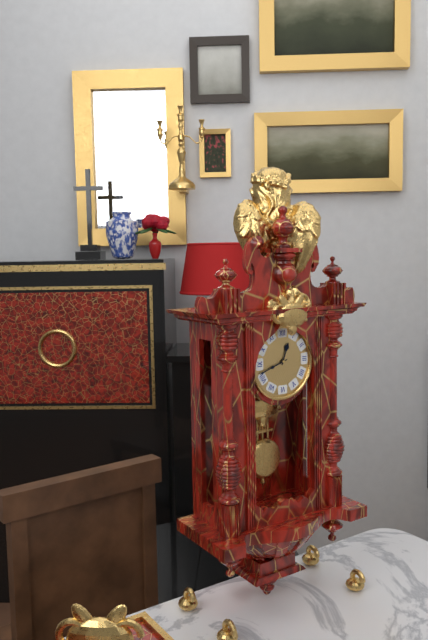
12:42
